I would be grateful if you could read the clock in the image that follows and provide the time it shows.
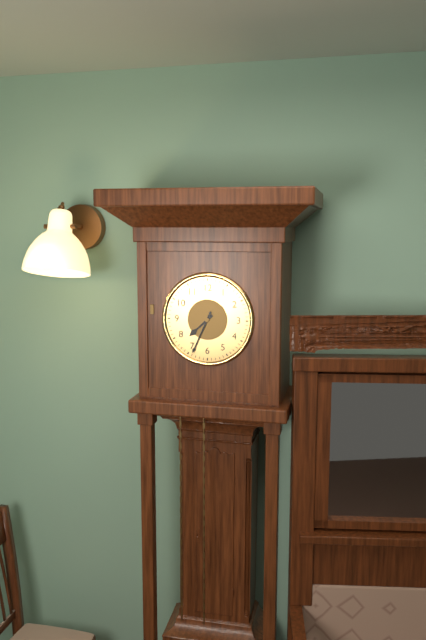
7:34
